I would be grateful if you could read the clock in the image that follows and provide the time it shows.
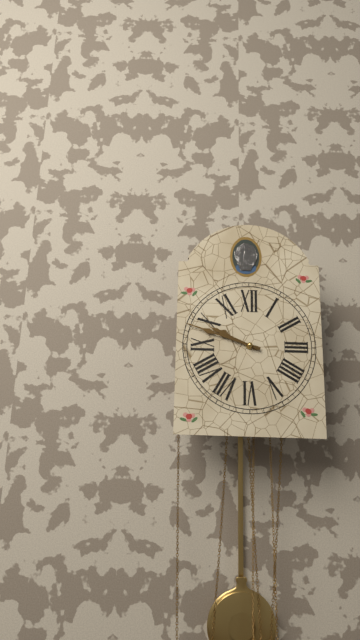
9:48
